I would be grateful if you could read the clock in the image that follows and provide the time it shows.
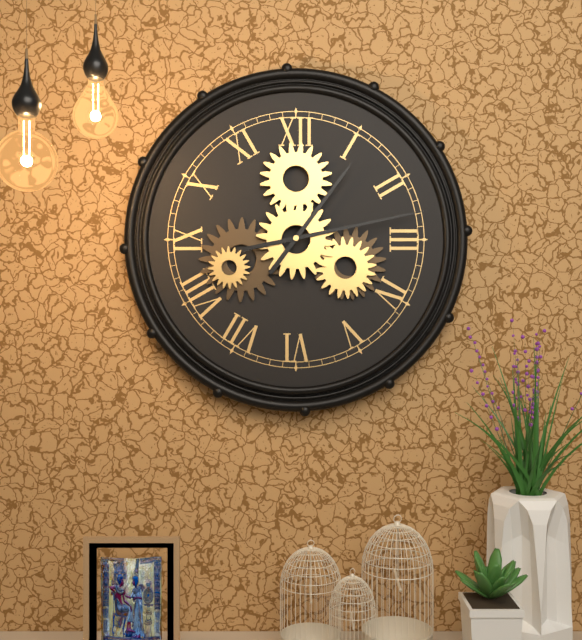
1:13
